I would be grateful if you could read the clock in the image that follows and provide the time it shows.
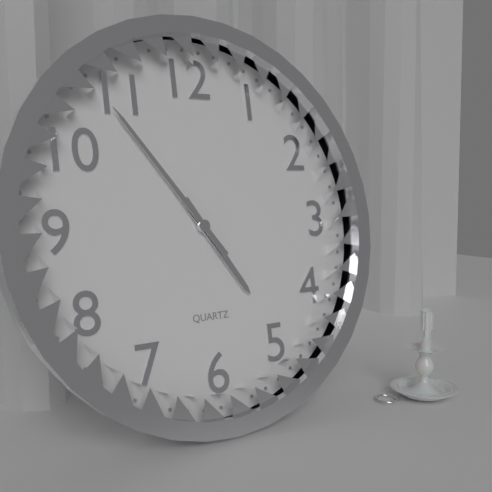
4:54
